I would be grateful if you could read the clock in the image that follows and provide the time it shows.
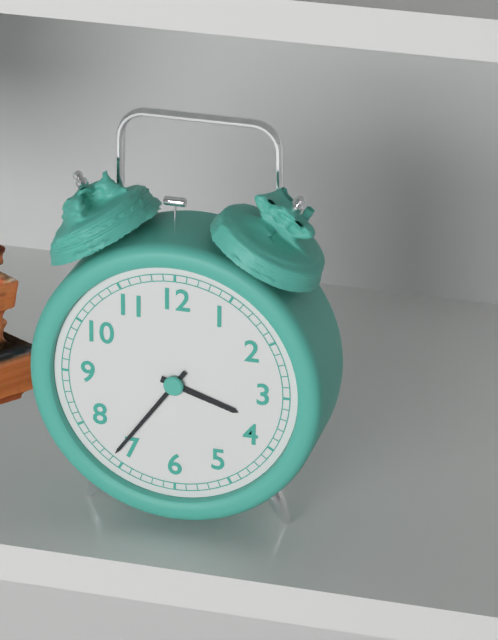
3:36
